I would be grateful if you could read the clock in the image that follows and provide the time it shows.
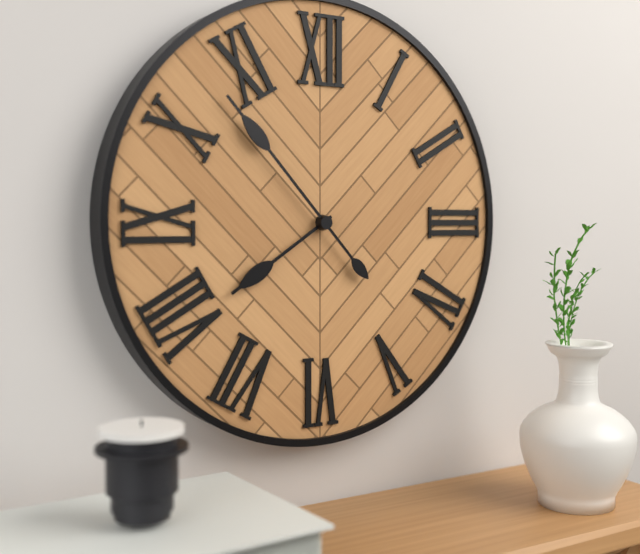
7:53
